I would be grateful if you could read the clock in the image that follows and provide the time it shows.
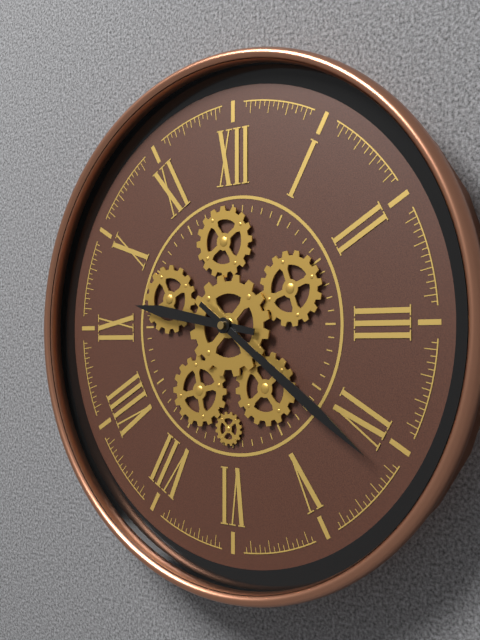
9:21
